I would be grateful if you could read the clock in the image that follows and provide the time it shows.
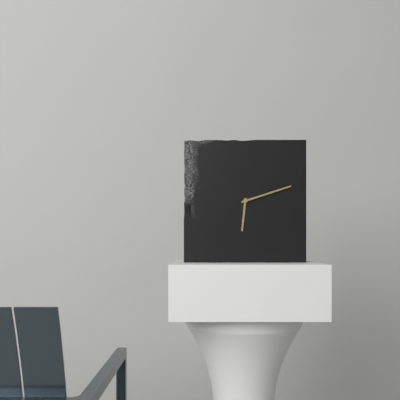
6:12
